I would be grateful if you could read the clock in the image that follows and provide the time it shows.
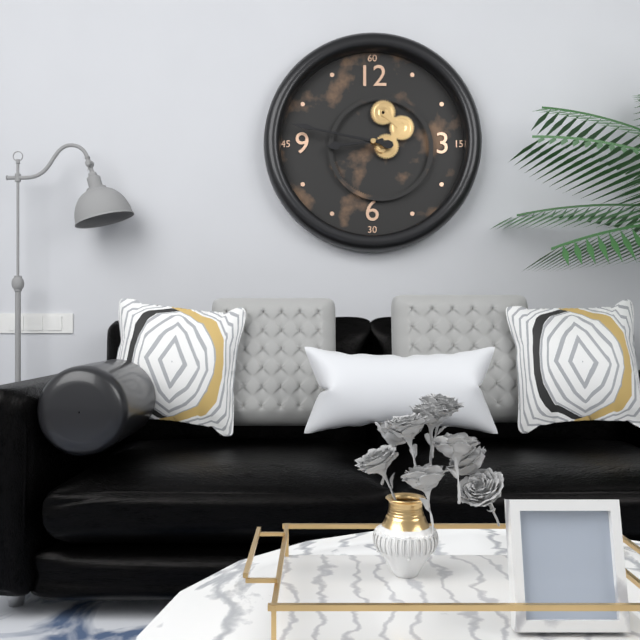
8:47
